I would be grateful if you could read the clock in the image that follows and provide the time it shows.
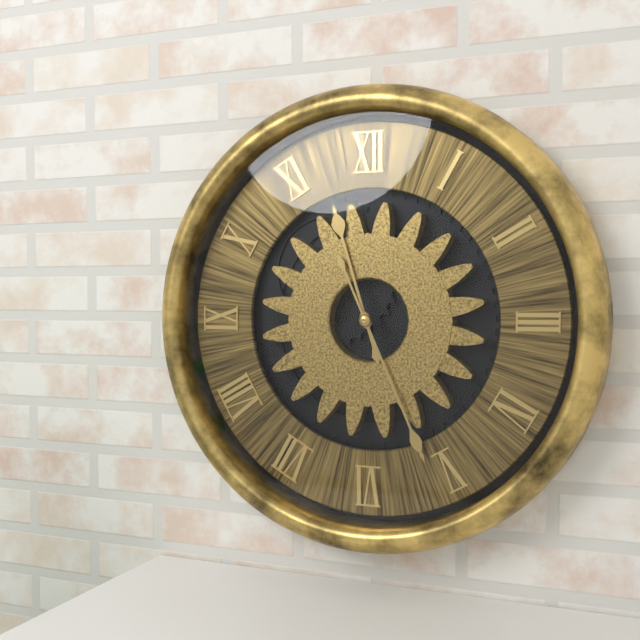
11:26
